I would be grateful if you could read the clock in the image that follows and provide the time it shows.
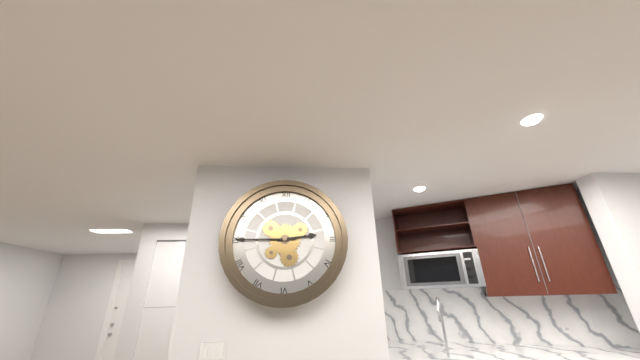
2:45
